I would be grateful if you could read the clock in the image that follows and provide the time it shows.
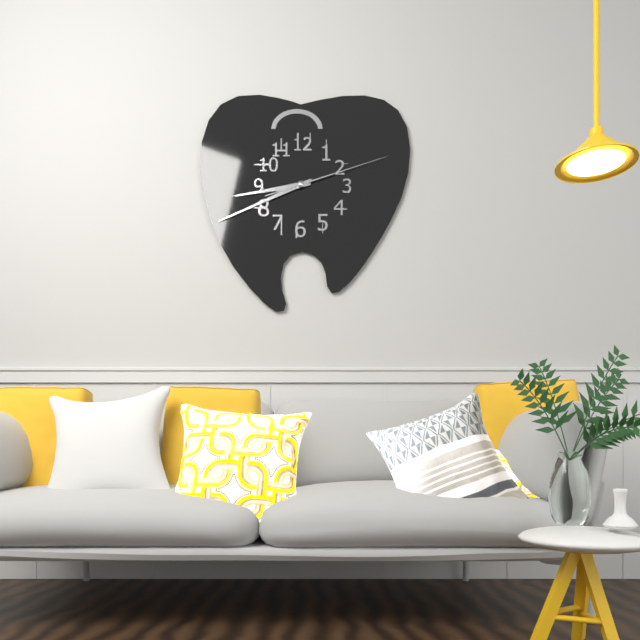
8:41:12
